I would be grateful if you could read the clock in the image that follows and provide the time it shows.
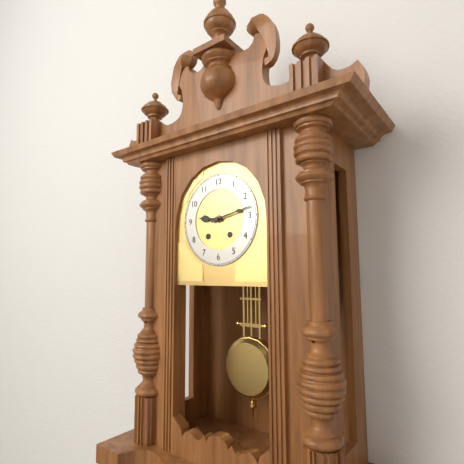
9:13
